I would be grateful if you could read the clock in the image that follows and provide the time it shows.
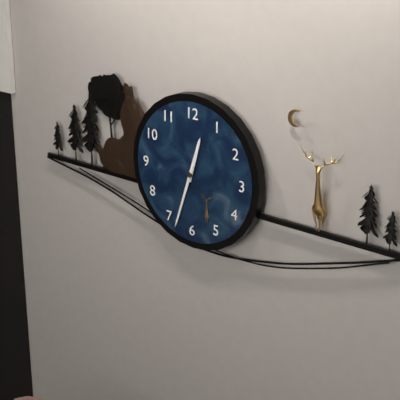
12:33
